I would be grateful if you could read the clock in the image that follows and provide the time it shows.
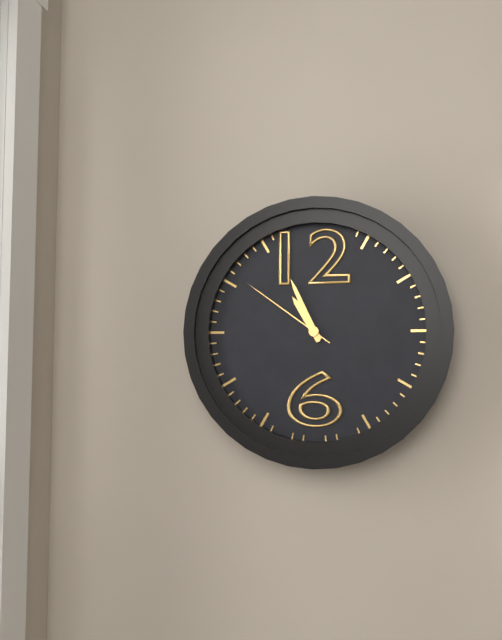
10:56:51
